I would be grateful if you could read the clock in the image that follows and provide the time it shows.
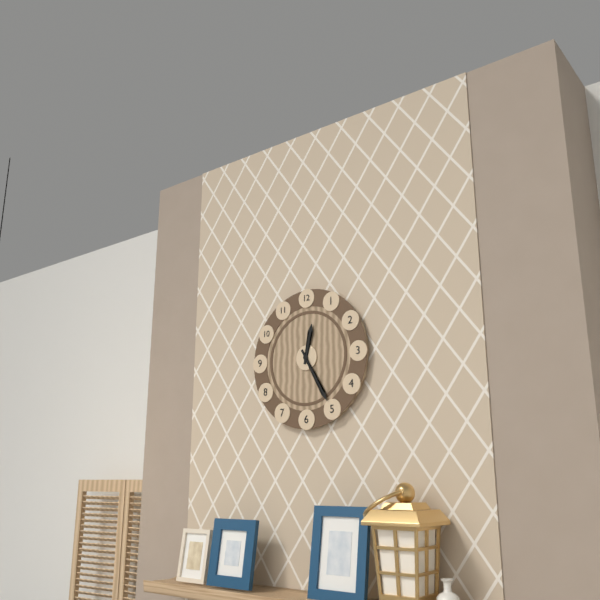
12:25
